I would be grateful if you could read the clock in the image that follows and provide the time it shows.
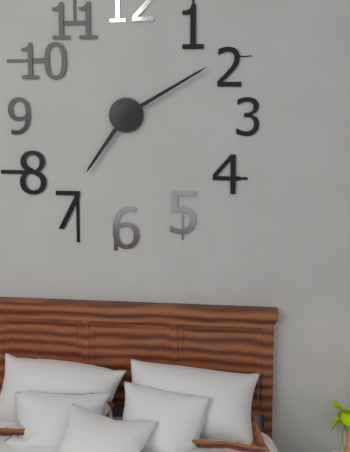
7:10
